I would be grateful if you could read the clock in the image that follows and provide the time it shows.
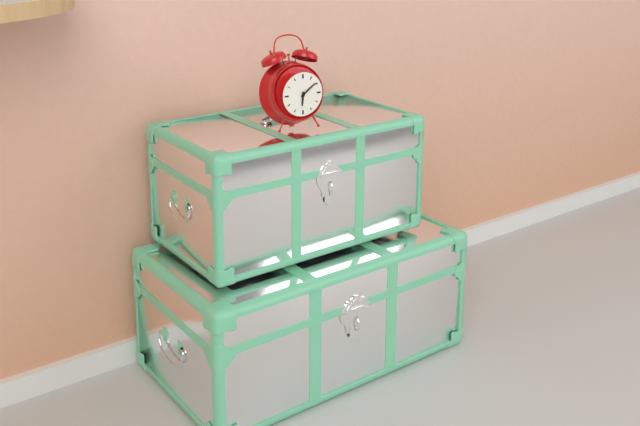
6:09
